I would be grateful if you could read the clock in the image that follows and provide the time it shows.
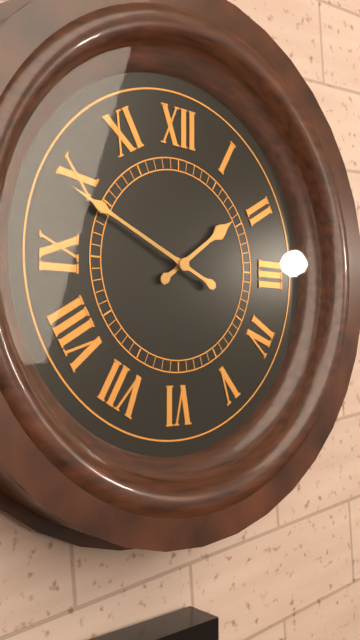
1:49
